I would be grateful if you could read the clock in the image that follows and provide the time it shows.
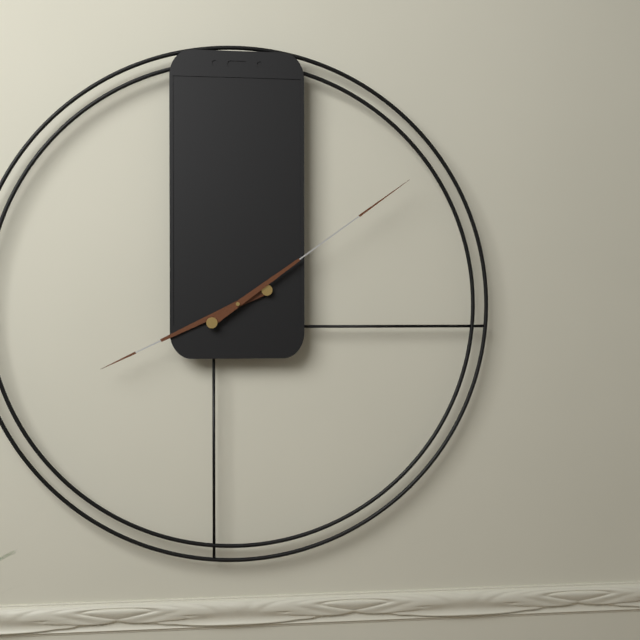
8:09
